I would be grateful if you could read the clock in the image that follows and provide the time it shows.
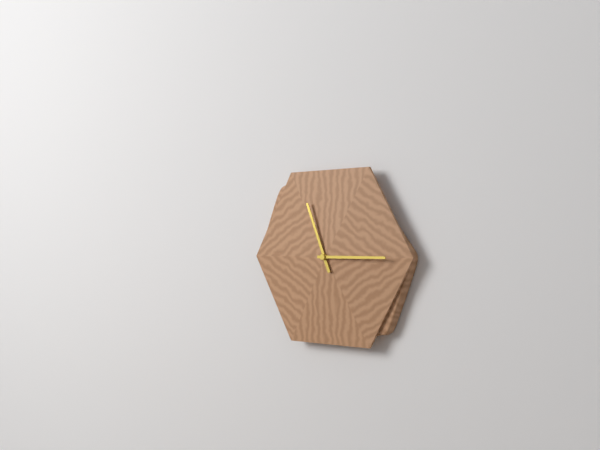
11:15
